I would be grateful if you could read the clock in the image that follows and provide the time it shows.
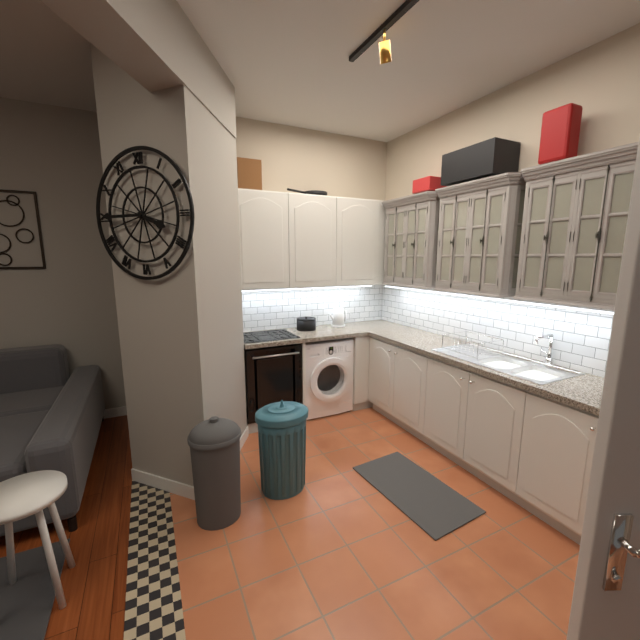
3:45
